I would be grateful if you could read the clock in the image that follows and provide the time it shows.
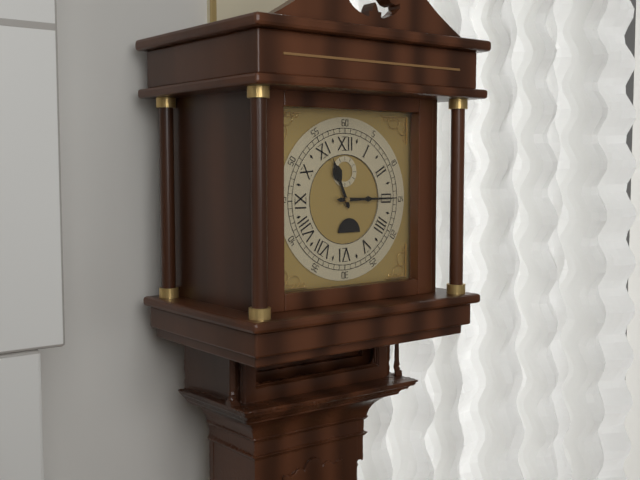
11:15
